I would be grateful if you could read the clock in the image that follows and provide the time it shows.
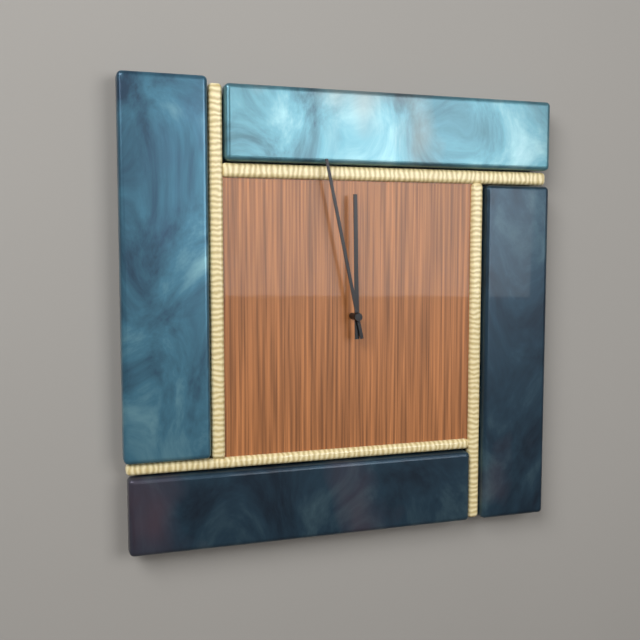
11:58
